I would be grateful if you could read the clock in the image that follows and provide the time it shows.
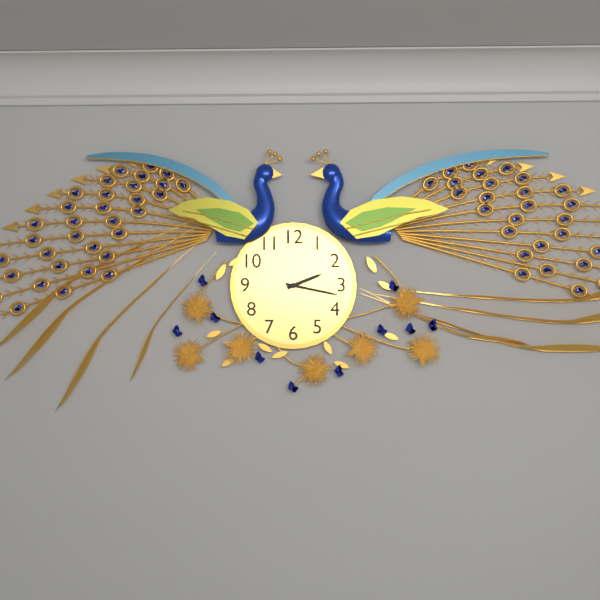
2:17
